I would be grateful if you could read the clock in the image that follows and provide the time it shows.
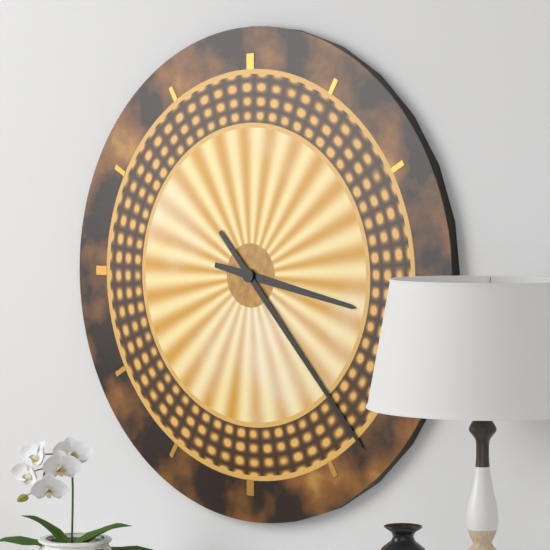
3:23
